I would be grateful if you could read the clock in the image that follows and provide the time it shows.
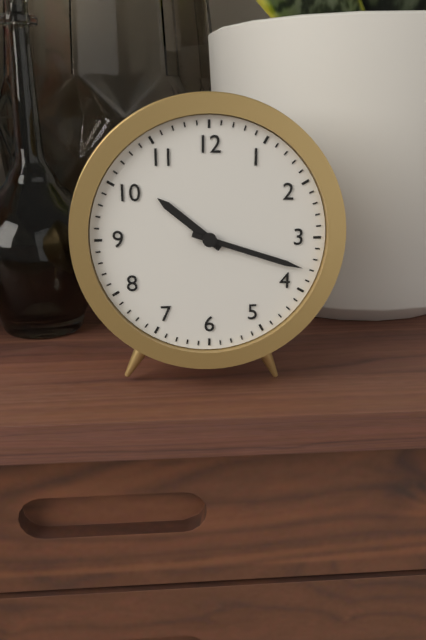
10:18
